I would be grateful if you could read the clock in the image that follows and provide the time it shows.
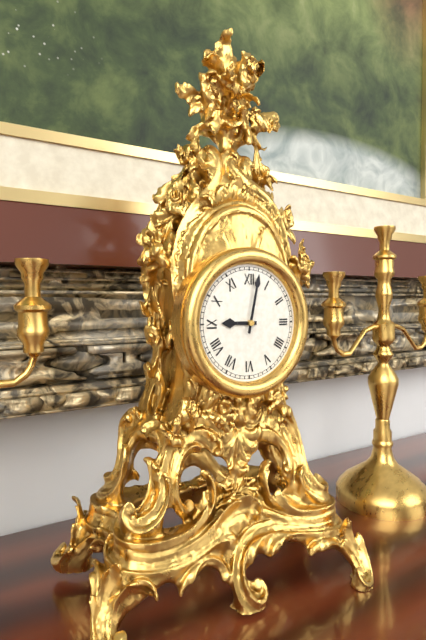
9:02
